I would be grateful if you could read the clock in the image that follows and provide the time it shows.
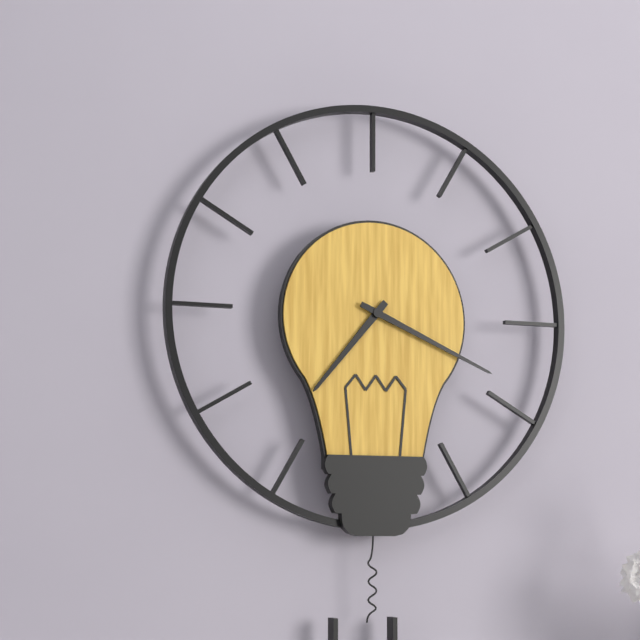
7:19
